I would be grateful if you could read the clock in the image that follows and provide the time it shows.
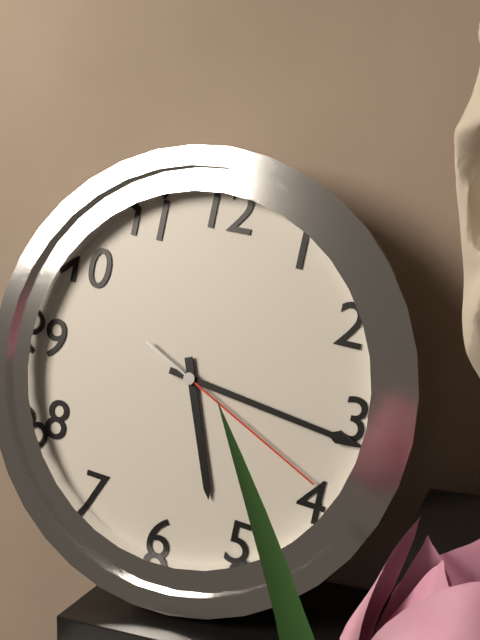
5:16:19
